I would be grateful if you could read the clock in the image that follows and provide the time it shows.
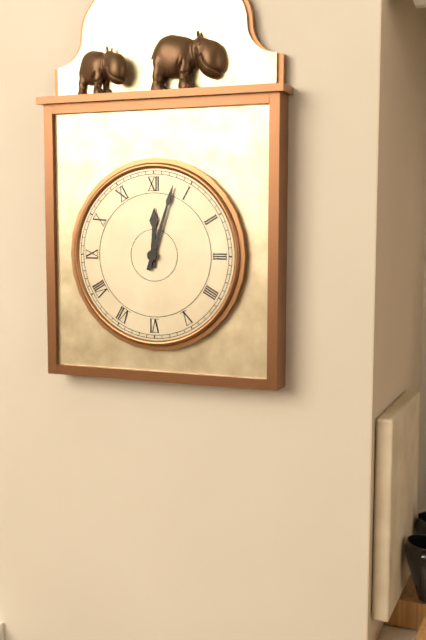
12:03
